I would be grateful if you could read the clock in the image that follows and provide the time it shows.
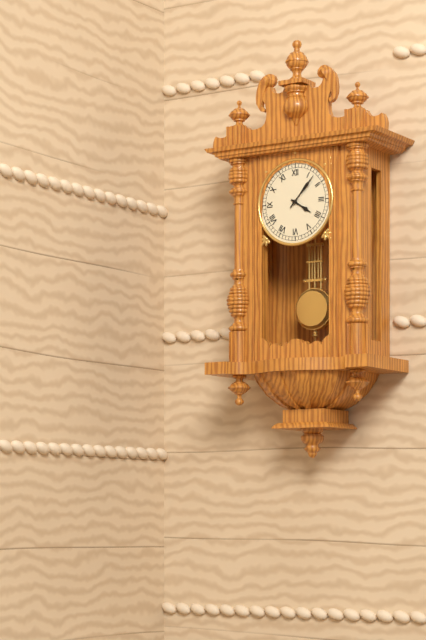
4:07
